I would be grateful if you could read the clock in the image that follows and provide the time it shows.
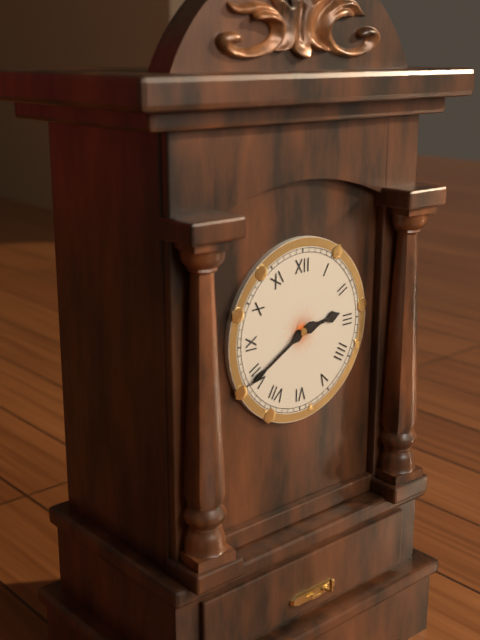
2:40
